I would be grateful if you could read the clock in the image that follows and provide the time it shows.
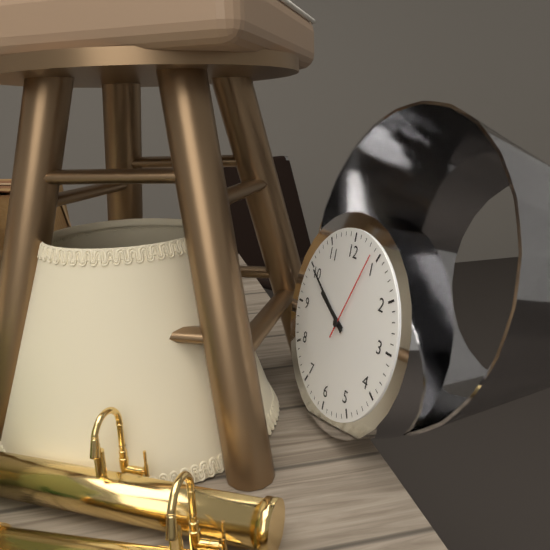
9:50:04
